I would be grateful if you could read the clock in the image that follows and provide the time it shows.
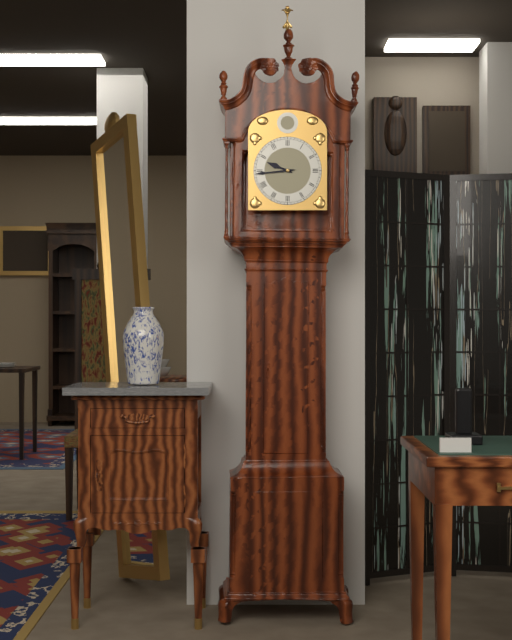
9:44
